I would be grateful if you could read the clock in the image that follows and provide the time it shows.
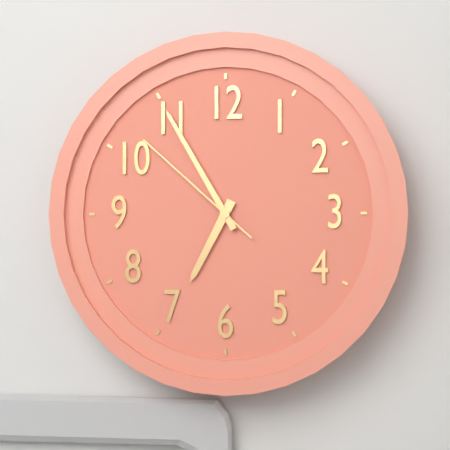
6:55:52
